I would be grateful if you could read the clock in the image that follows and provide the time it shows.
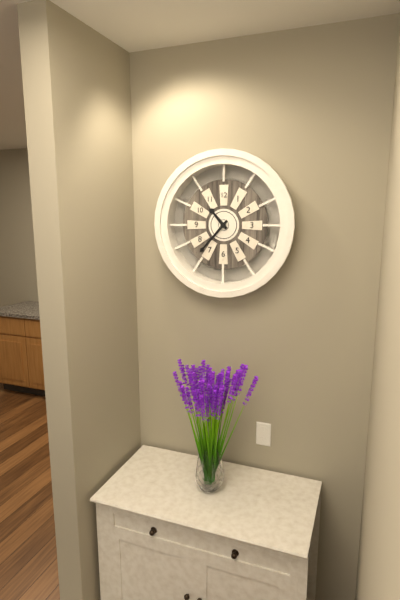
10:37
